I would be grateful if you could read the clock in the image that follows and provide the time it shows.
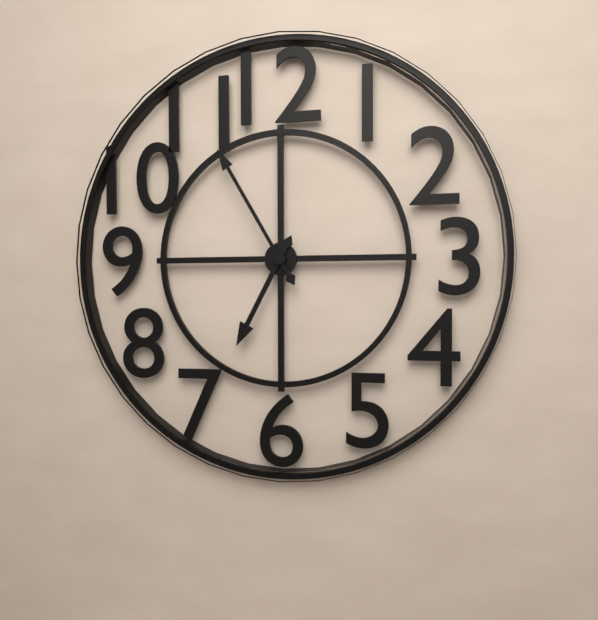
6:55
